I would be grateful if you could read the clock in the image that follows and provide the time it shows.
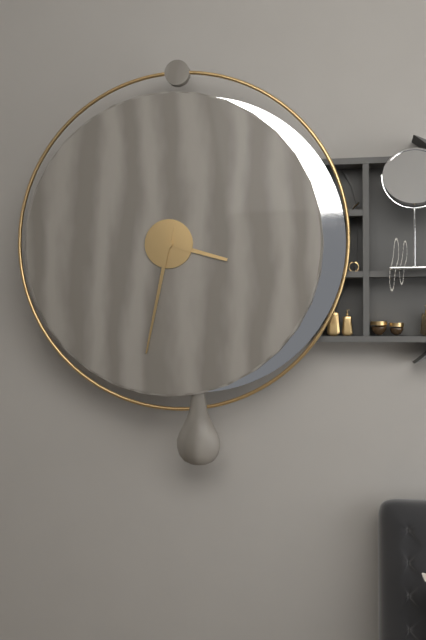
3:32
